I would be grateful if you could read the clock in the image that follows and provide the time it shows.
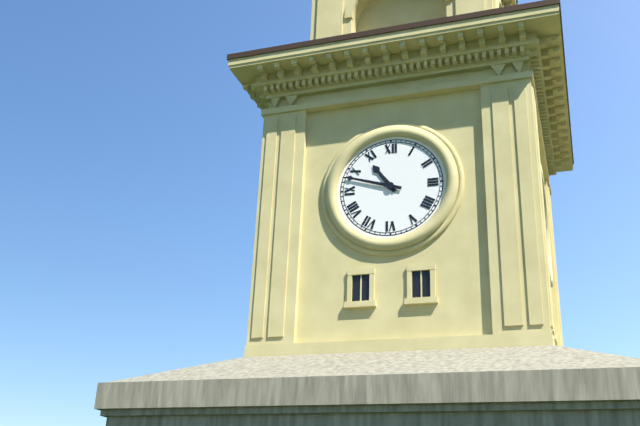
10:48
